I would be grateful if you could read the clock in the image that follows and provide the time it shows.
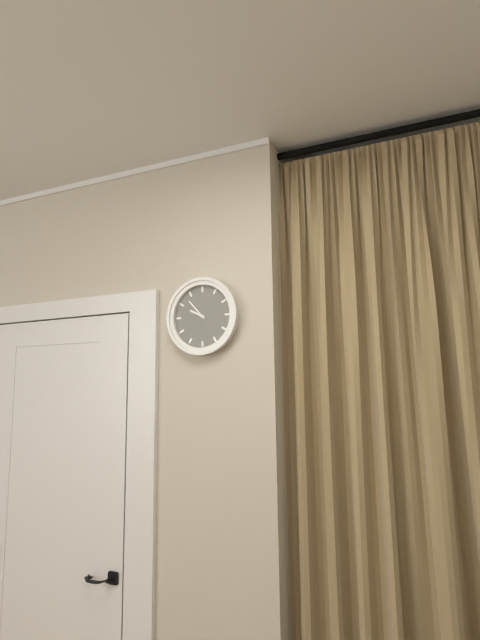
9:53
